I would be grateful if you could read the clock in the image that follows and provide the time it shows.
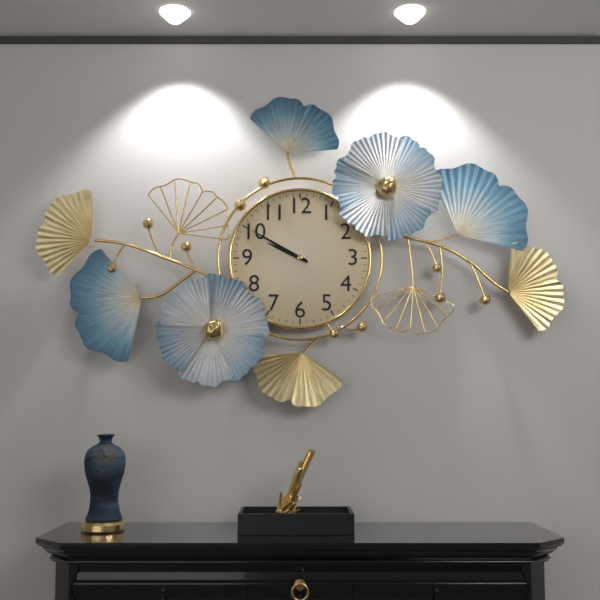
9:50
